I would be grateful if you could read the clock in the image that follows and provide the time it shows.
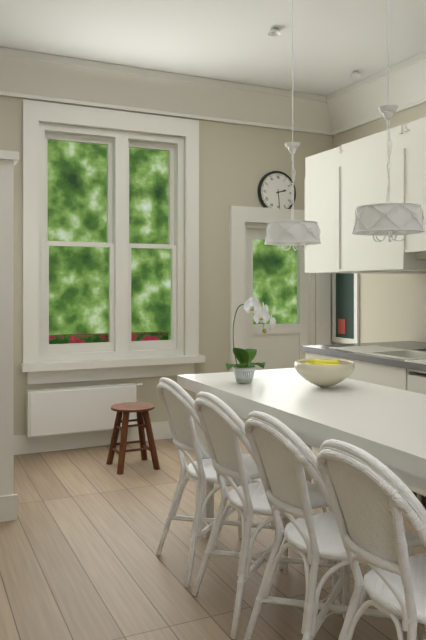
2:29
